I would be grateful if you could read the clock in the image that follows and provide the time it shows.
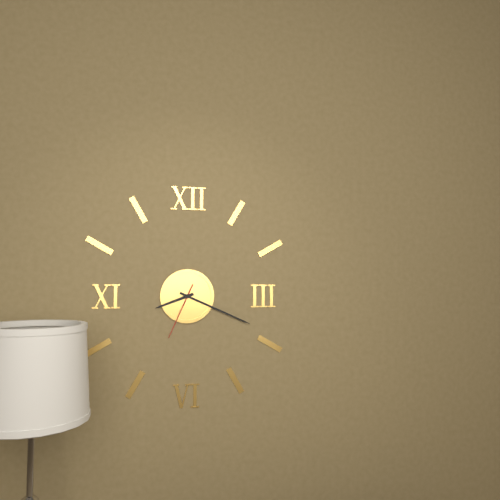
8:19:34
